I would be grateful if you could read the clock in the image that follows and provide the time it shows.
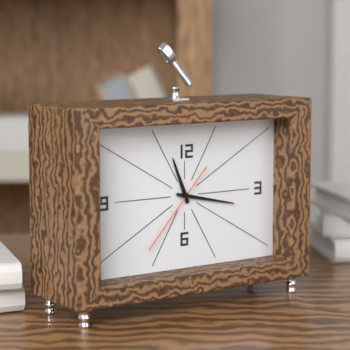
11:17:37
